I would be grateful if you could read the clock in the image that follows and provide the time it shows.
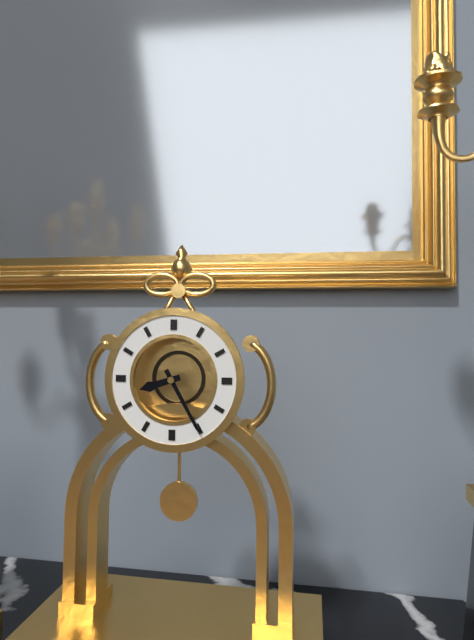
8:25
